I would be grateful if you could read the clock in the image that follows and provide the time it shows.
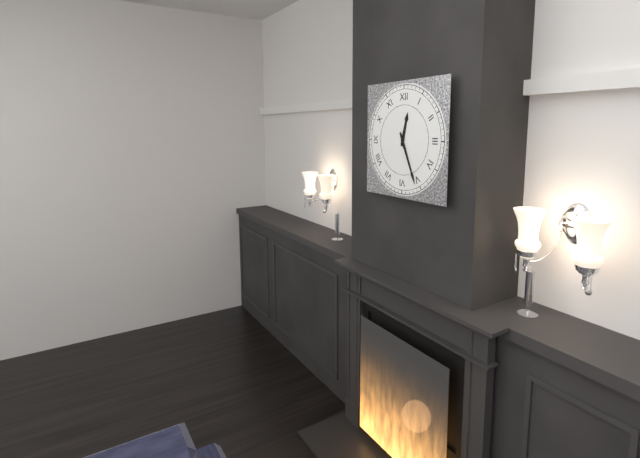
12:26
